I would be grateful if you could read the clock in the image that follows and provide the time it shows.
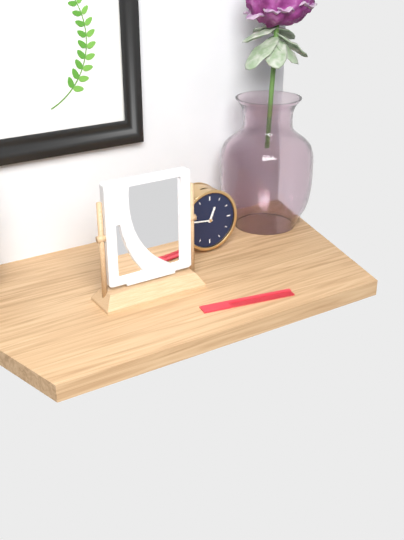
12:46
